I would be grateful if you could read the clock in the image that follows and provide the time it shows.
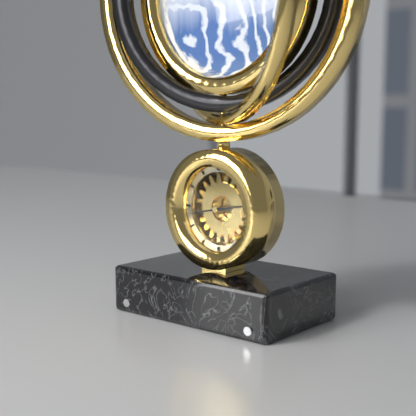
2:43
